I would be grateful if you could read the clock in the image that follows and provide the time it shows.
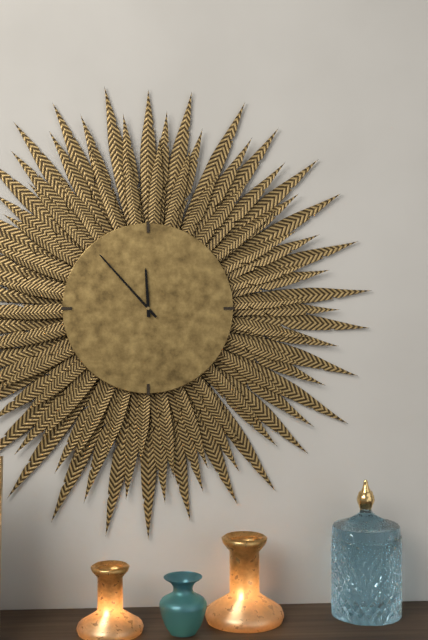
11:53
